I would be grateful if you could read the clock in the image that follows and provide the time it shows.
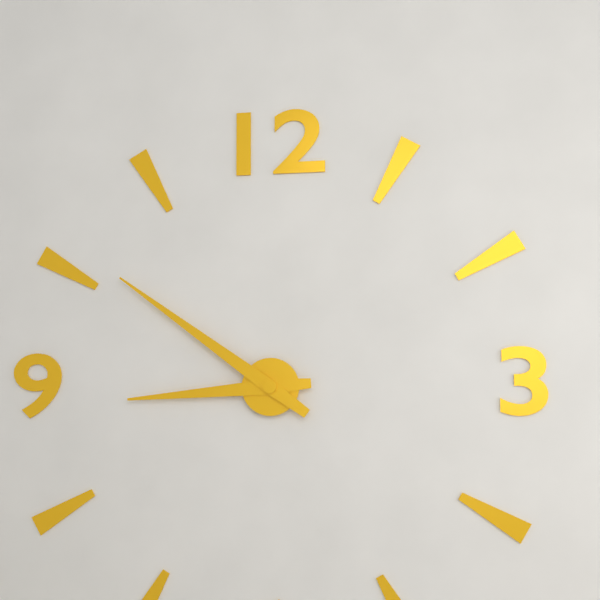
8:51
